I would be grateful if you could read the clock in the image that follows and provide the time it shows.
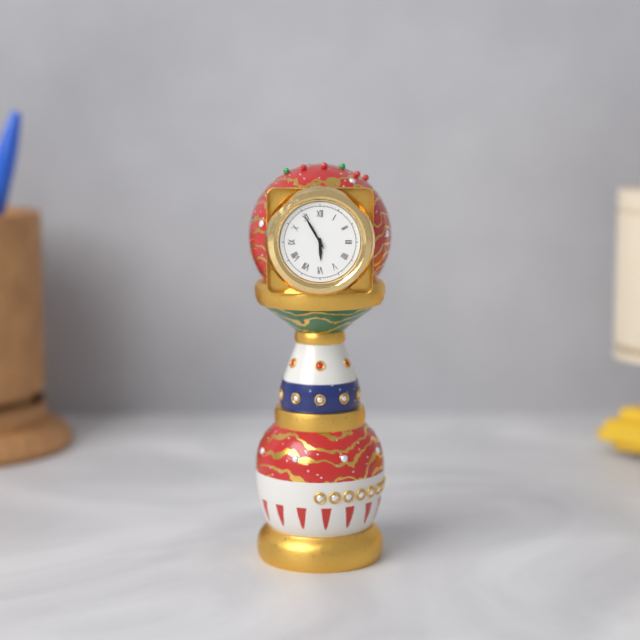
5:55
